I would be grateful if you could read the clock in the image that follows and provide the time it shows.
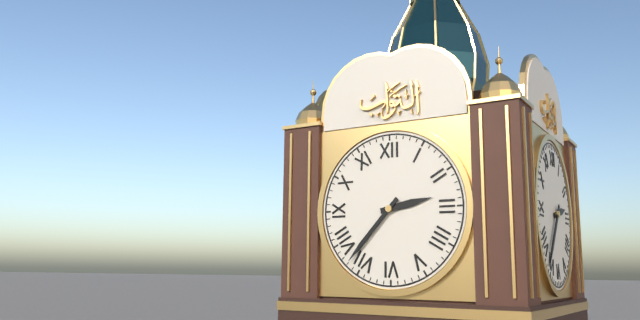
2:37
